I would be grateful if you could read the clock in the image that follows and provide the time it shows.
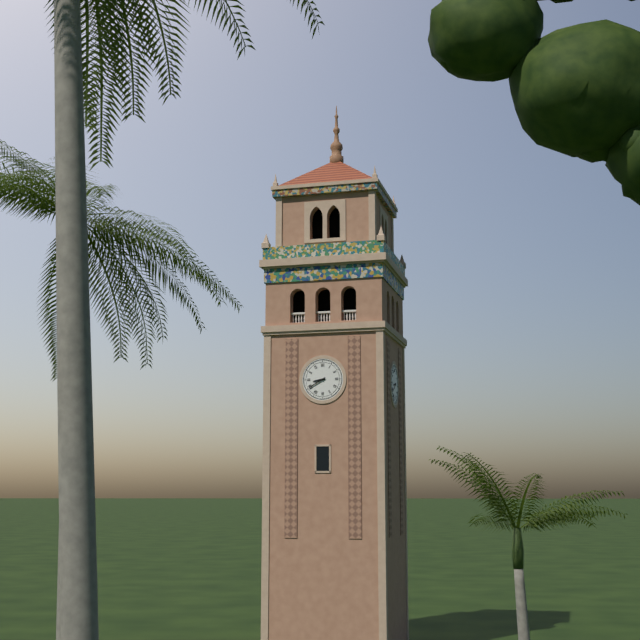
8:40
